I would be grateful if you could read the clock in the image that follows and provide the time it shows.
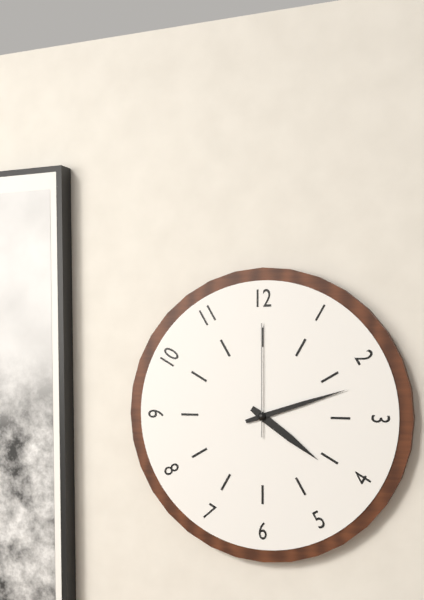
4:12:00
